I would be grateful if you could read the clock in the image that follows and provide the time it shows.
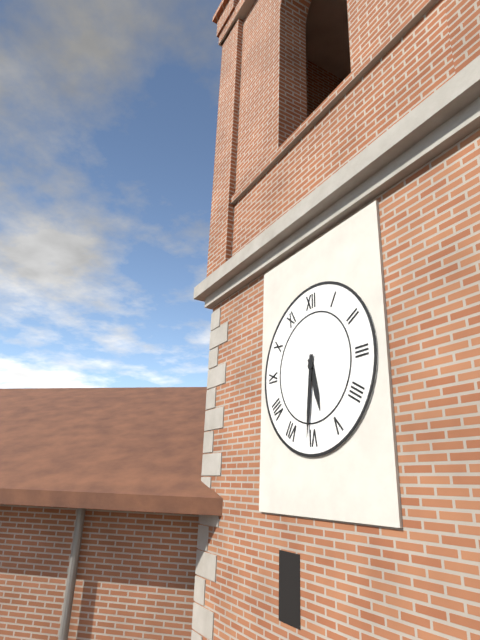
5:31
